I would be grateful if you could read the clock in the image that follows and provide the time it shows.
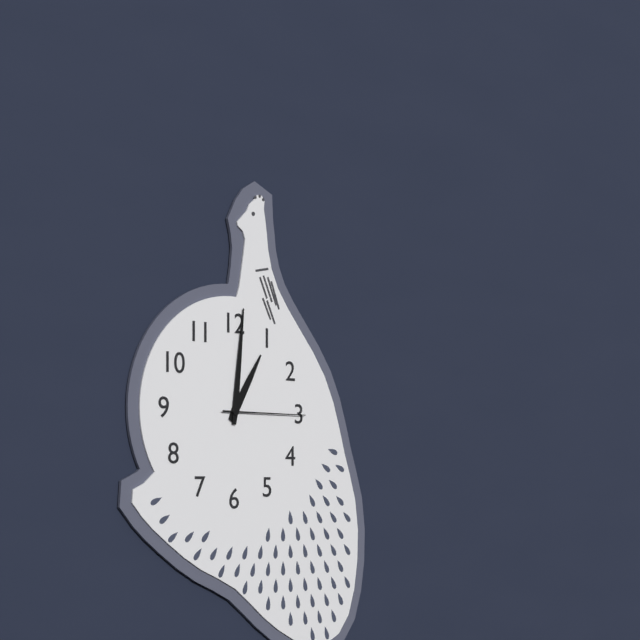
1:01:15
